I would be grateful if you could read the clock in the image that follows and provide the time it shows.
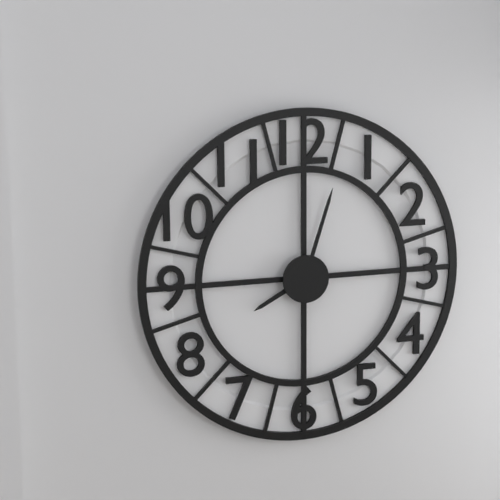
8:03
